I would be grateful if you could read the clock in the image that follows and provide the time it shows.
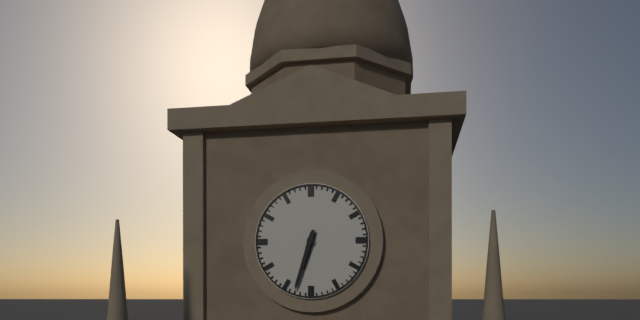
6:33
